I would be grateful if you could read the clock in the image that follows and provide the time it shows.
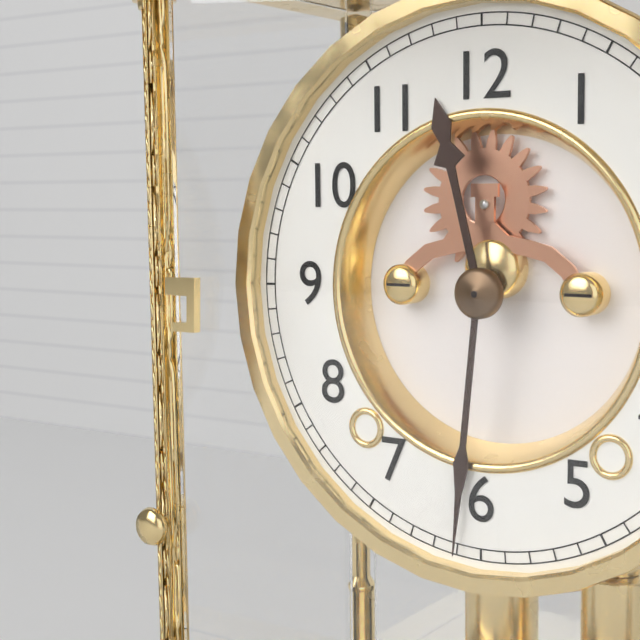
11:31
